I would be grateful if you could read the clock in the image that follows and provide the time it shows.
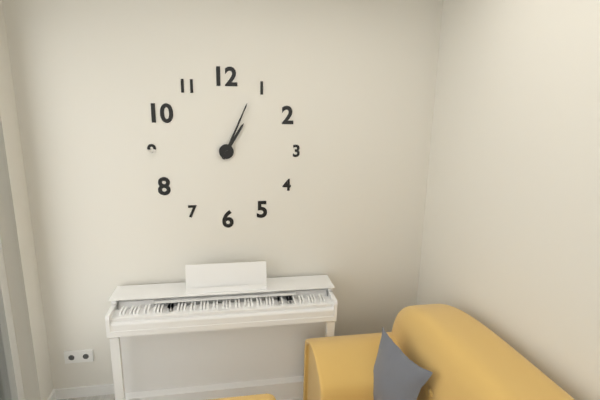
1:04
